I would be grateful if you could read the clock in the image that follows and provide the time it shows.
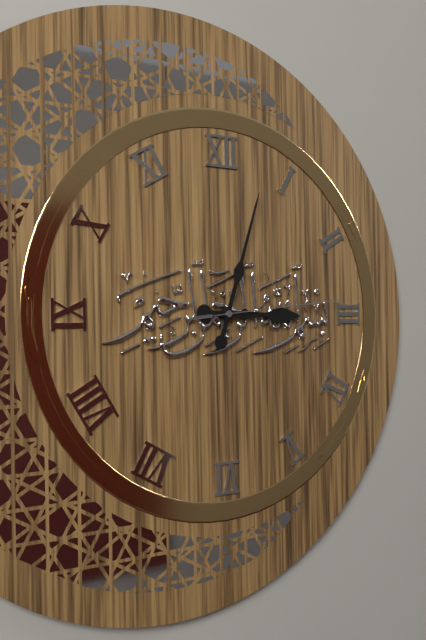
3:03:14
